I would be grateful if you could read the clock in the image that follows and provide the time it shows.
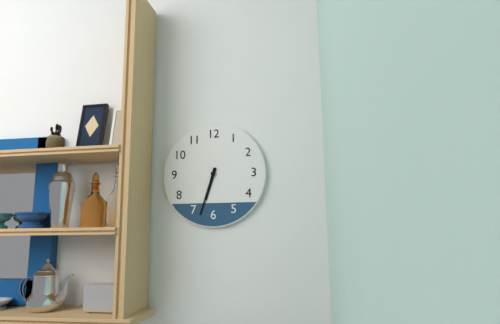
6:33
